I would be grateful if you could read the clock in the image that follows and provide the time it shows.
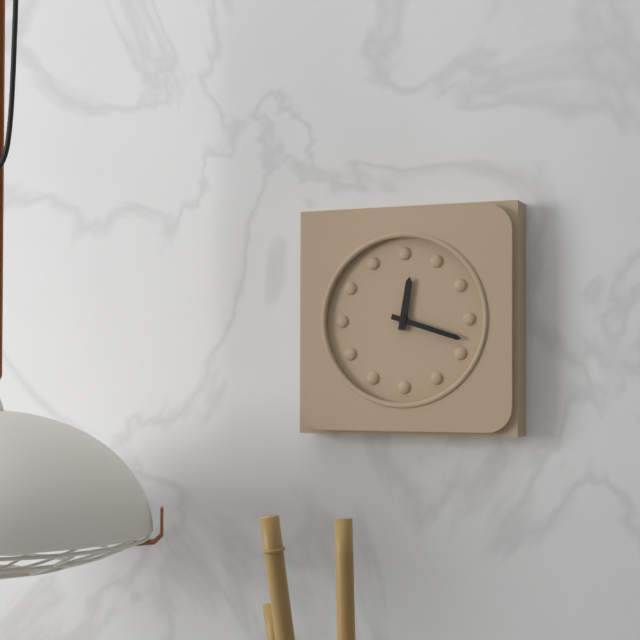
12:18
